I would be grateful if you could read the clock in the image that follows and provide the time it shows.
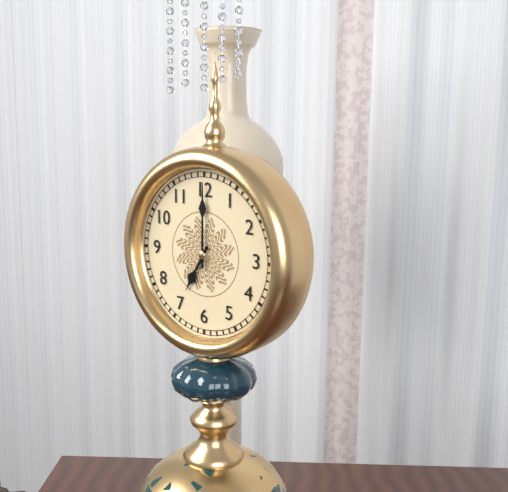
7:00
